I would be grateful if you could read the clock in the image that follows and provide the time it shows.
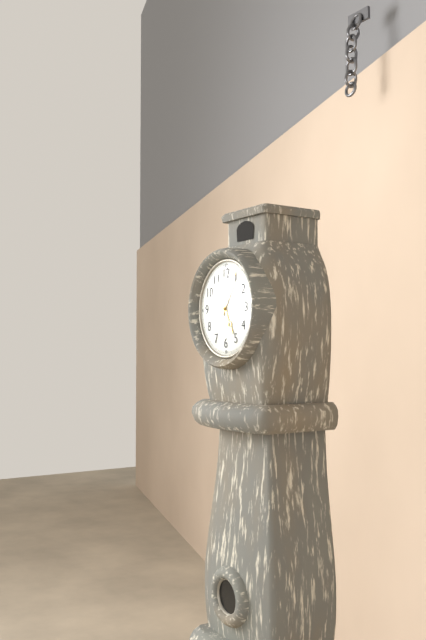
5:05
